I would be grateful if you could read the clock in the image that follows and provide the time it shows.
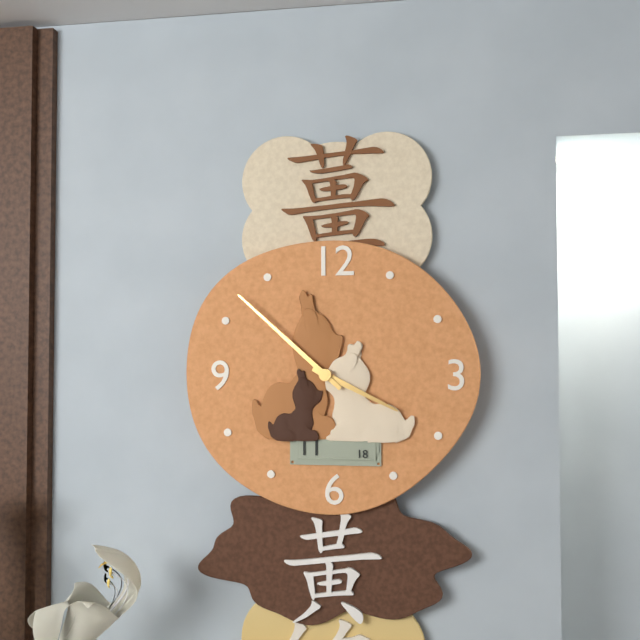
3:52
